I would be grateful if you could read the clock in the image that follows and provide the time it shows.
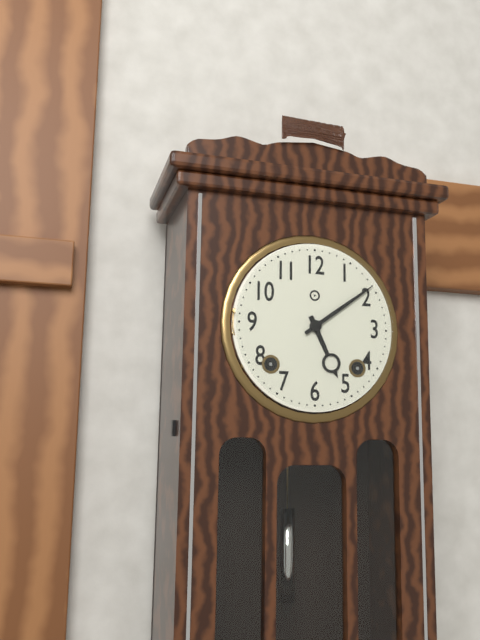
5:09
